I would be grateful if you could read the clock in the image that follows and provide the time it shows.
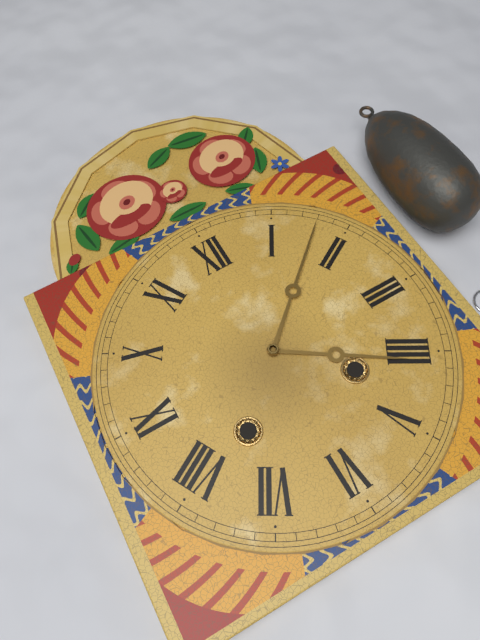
4:08
